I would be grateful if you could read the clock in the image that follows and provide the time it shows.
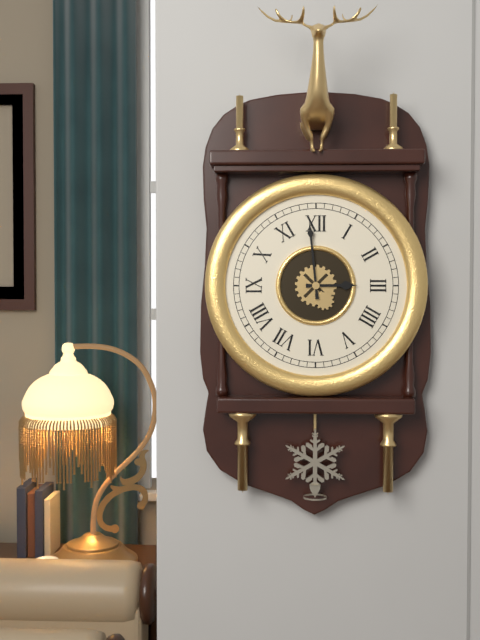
2:59
